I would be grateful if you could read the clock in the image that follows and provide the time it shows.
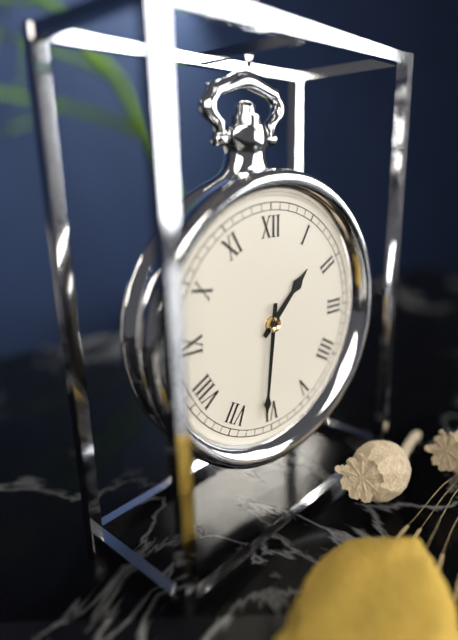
1:31
